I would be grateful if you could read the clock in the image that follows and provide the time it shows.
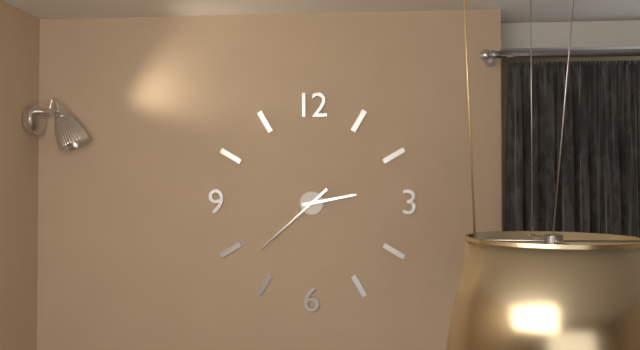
2:38
